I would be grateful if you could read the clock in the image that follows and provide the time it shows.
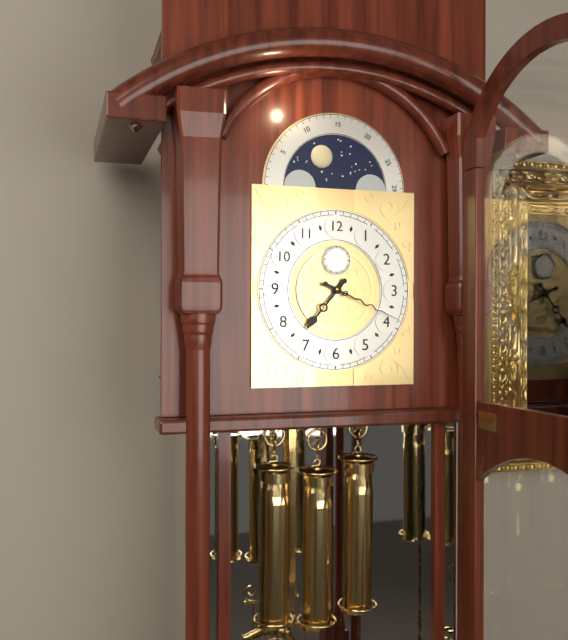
7:19
